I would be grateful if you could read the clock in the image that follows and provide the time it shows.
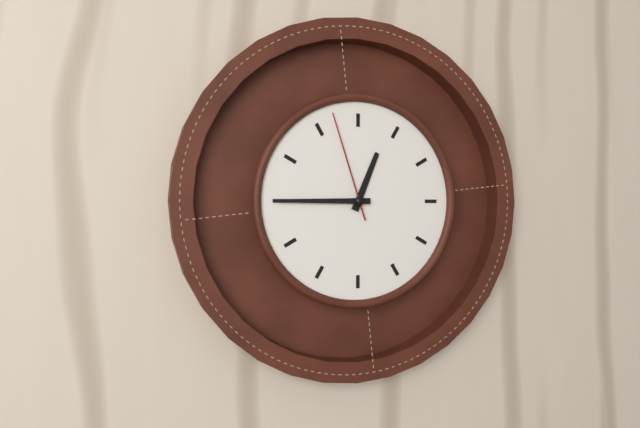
12:45:57
